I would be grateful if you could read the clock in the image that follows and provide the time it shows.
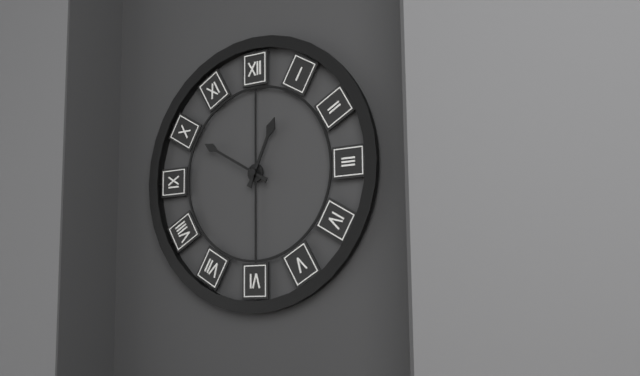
12:50
